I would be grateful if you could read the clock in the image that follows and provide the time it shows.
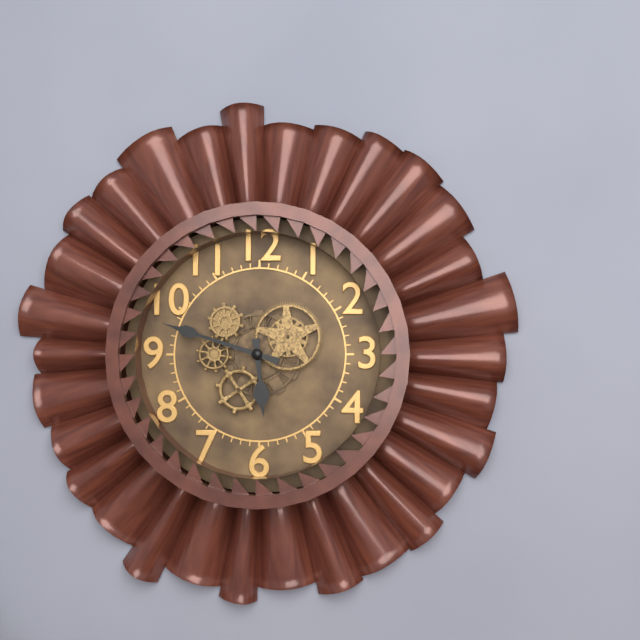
5:48
